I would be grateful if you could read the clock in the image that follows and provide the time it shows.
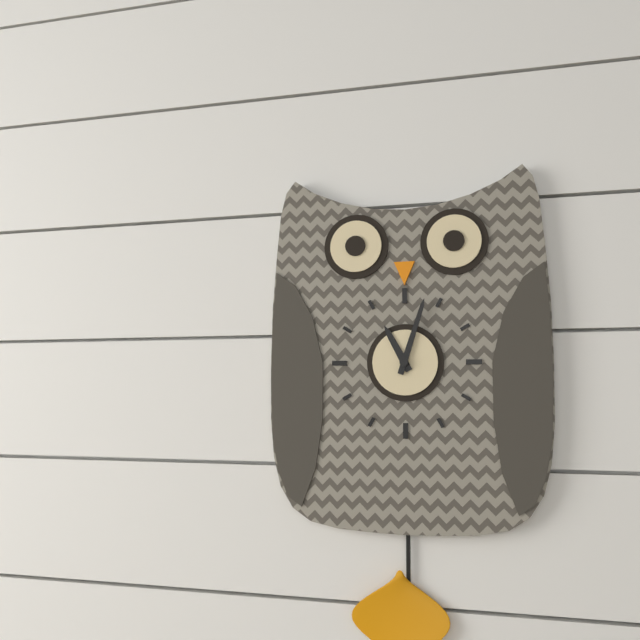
11:03
